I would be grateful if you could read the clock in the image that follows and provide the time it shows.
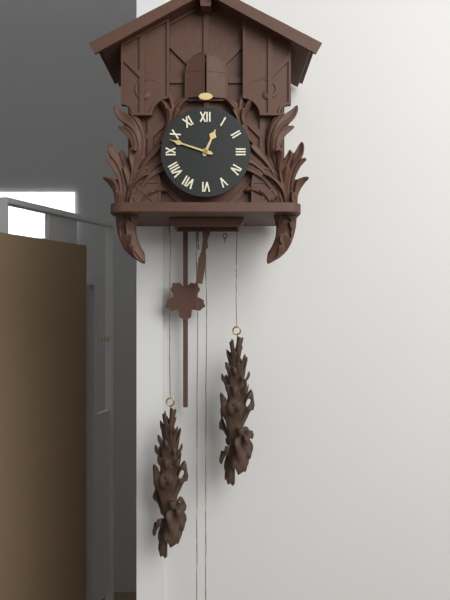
12:48
